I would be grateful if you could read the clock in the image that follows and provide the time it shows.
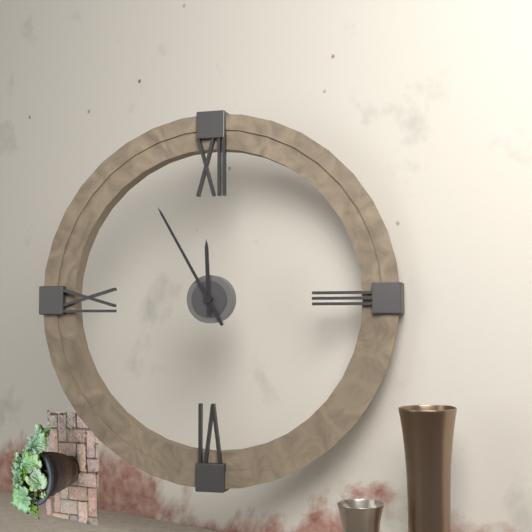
11:55
